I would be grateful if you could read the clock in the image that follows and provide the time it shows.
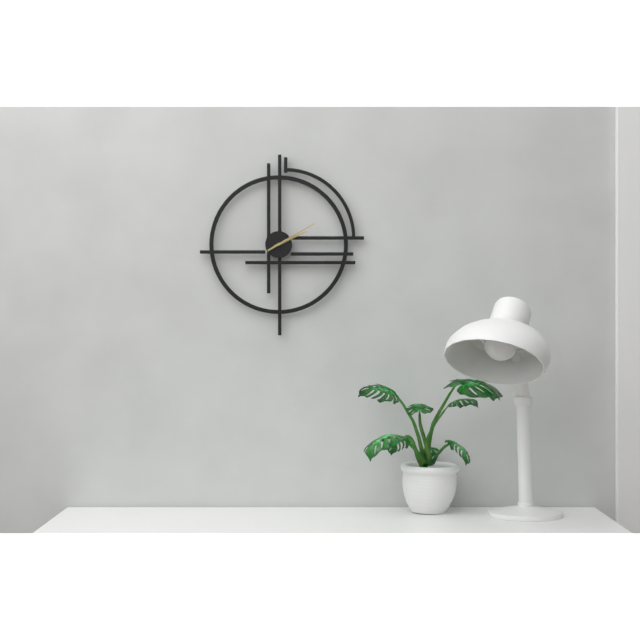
2:10
